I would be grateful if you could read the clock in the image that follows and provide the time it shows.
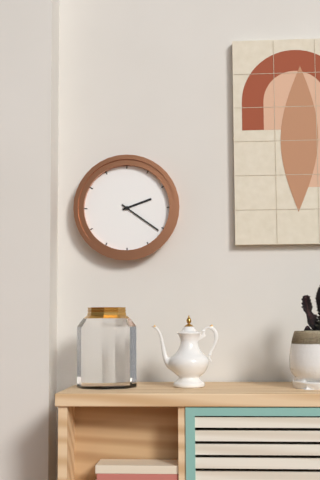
2:21
